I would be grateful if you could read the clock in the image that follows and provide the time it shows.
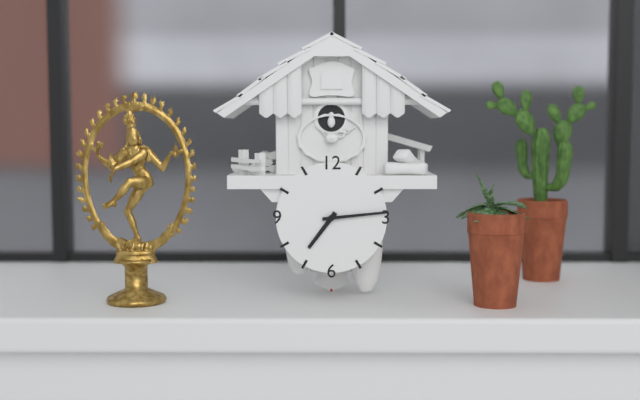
7:14
